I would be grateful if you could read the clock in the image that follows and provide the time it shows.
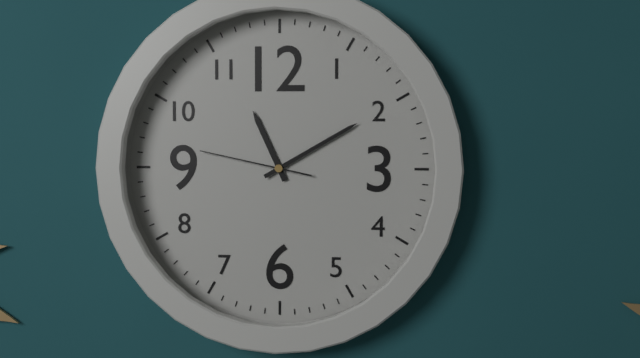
11:10:47
